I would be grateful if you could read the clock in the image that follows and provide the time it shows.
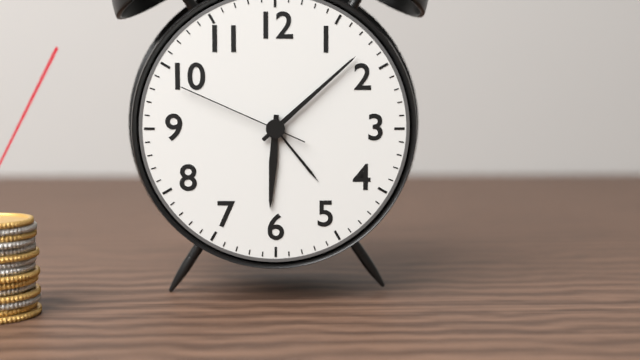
6:08:49
